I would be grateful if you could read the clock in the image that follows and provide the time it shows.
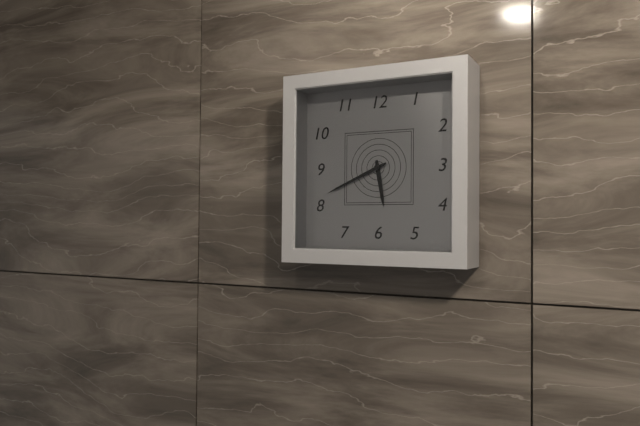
5:41
